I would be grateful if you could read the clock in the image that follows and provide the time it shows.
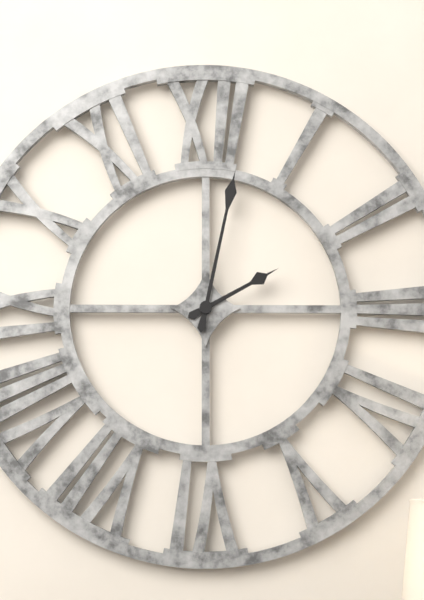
2:02
